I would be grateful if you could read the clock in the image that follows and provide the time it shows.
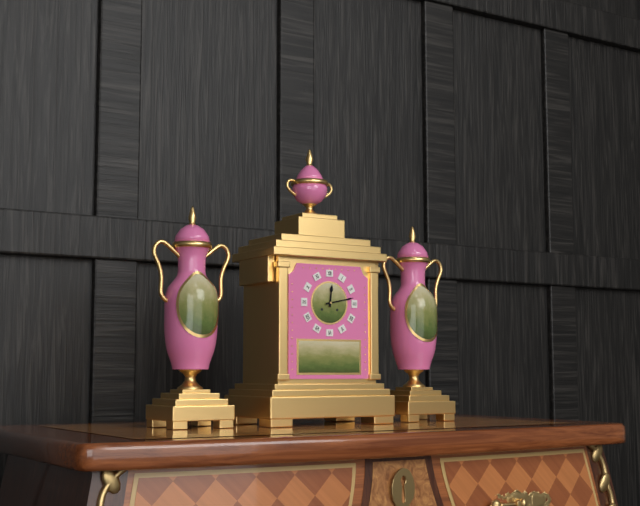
12:13
